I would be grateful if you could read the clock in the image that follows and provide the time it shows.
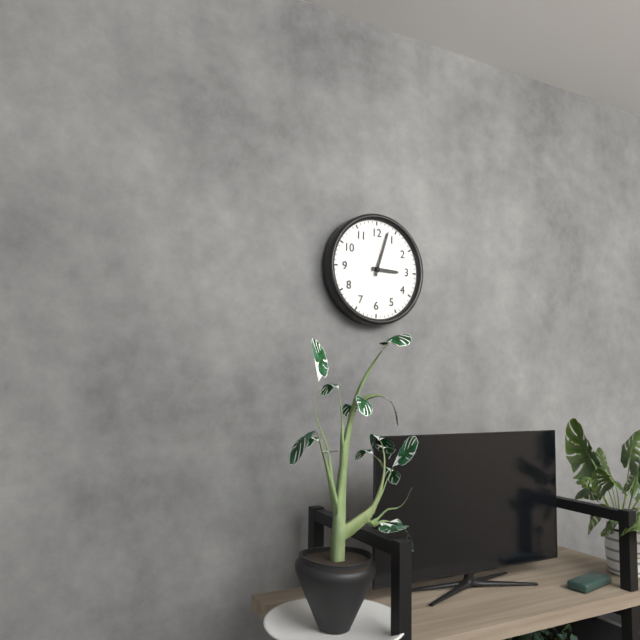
3:03
